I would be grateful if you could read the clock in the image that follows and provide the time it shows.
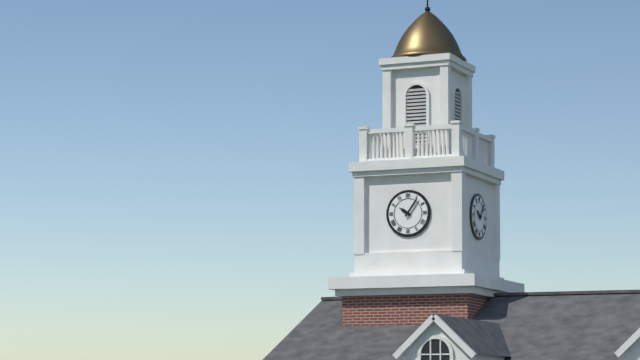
10:06
